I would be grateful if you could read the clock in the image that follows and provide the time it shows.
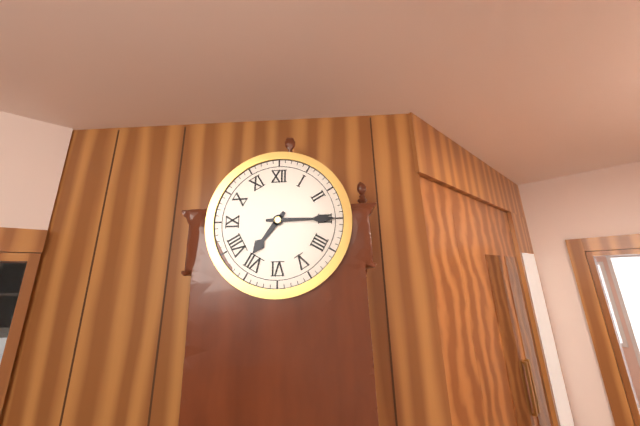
7:15
